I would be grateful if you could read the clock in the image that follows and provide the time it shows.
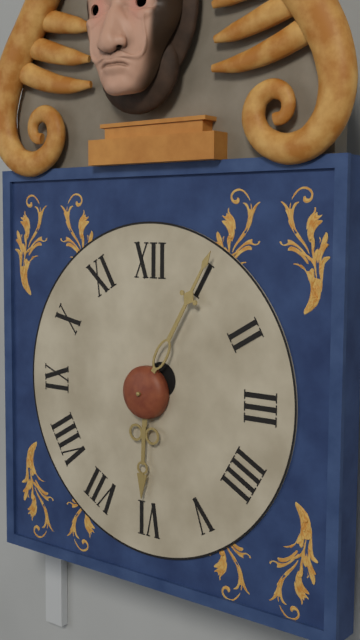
6:05
